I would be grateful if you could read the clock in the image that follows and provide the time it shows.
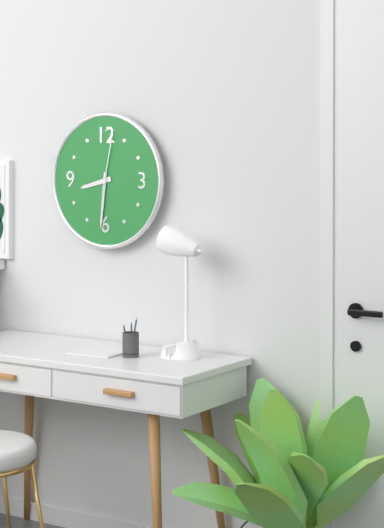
8:31:02
